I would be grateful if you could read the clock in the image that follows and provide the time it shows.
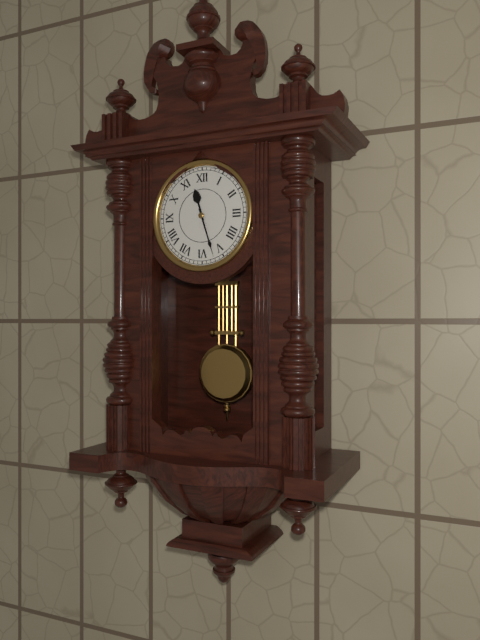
11:27
